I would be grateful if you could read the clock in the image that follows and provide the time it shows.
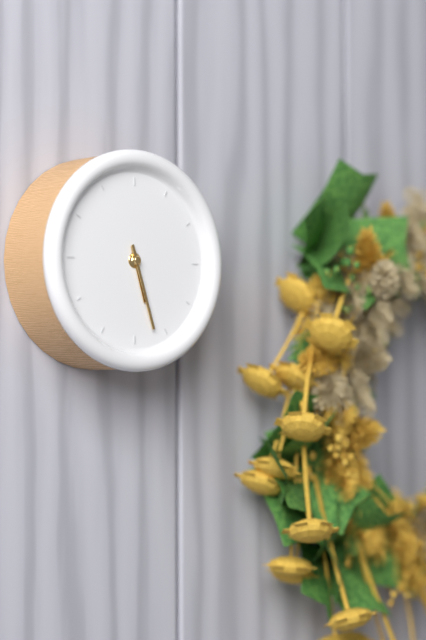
5:27
